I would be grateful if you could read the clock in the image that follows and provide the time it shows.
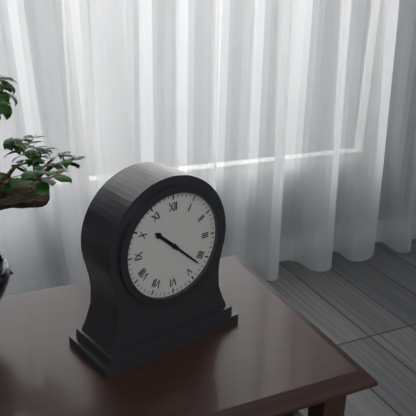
10:22
